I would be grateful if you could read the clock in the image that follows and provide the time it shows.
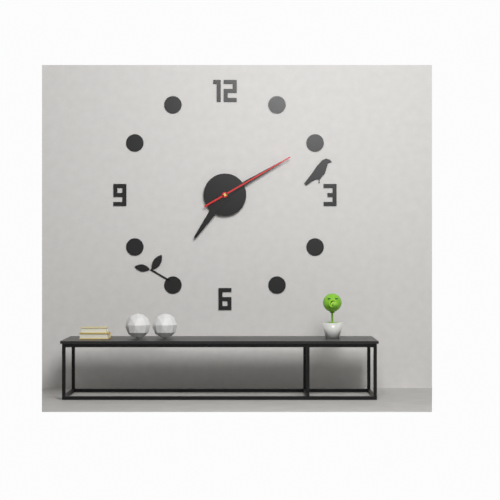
7:10:10
